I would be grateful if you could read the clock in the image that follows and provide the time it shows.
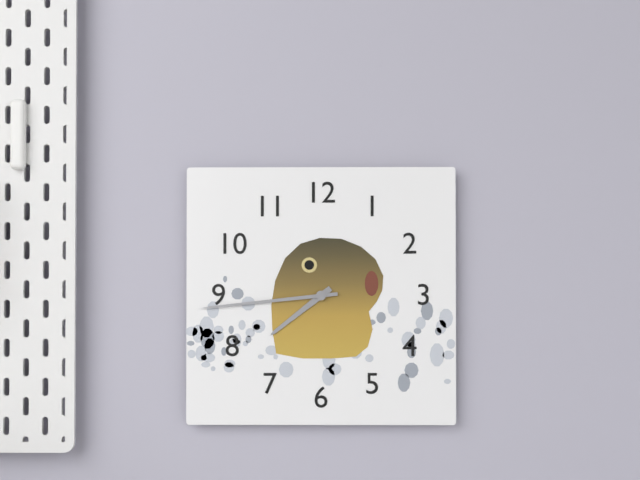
7:44
